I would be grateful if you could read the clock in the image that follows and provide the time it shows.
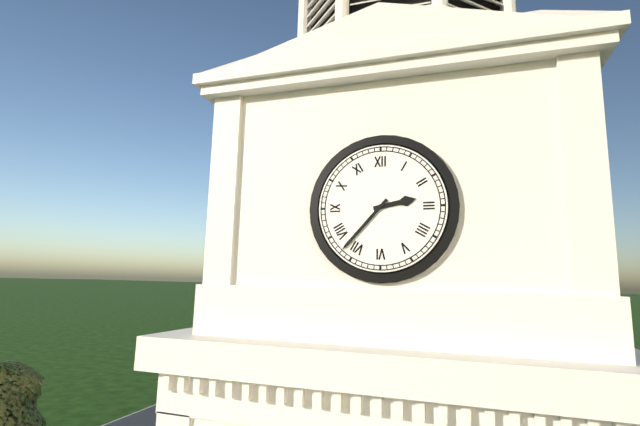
2:37
